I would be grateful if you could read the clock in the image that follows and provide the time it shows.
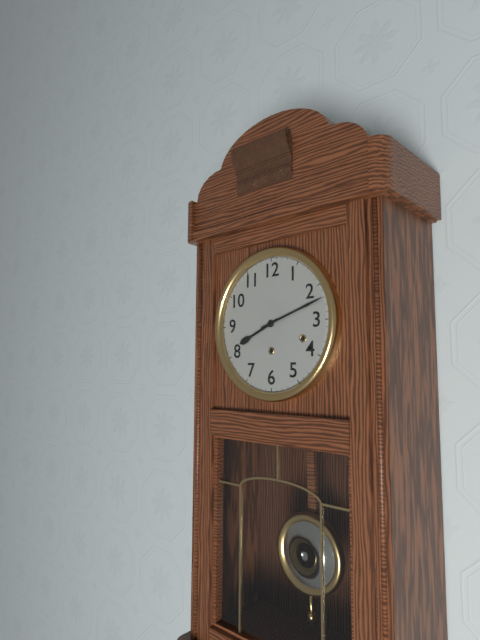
8:12
